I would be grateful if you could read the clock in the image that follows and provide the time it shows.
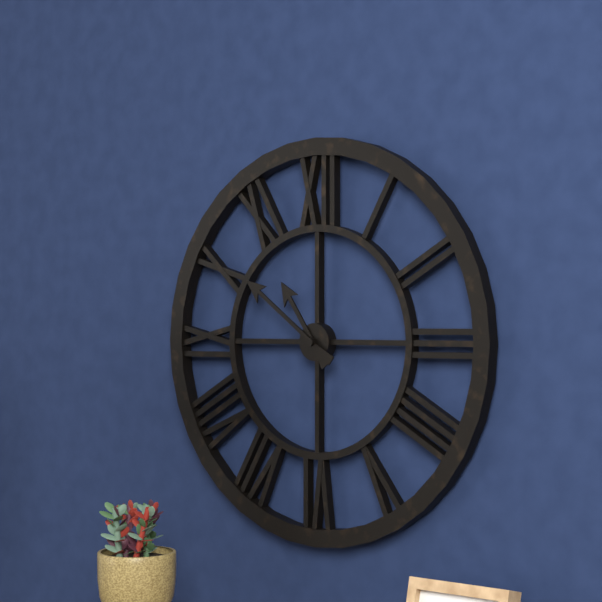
10:51
